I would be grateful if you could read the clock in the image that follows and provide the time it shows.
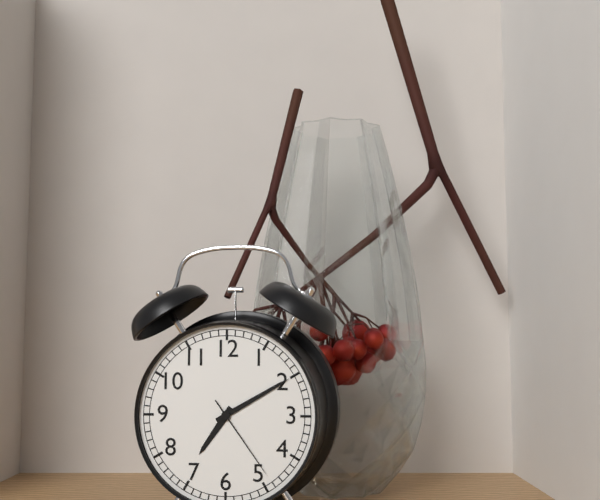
7:10:24
